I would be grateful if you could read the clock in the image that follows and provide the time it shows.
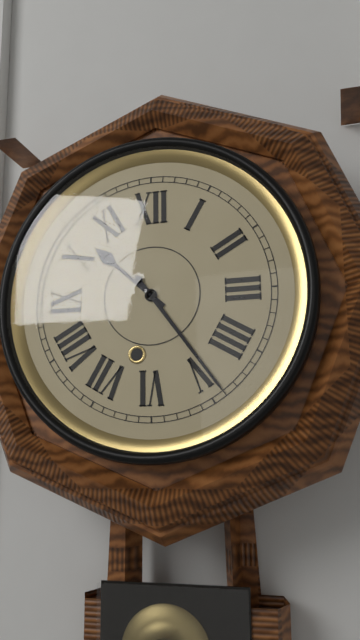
10:24
